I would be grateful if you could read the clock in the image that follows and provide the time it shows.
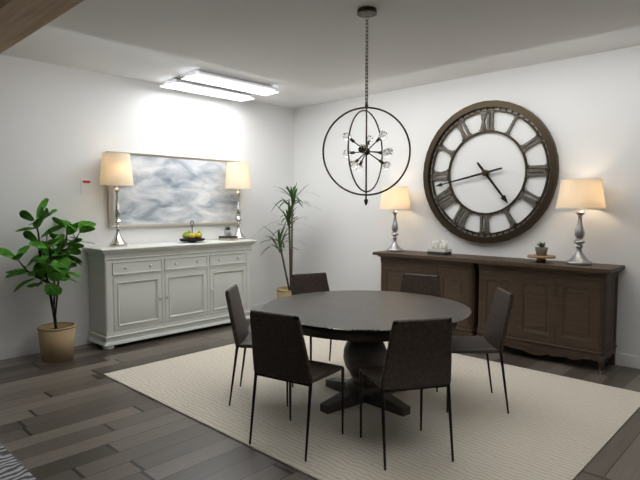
4:43
